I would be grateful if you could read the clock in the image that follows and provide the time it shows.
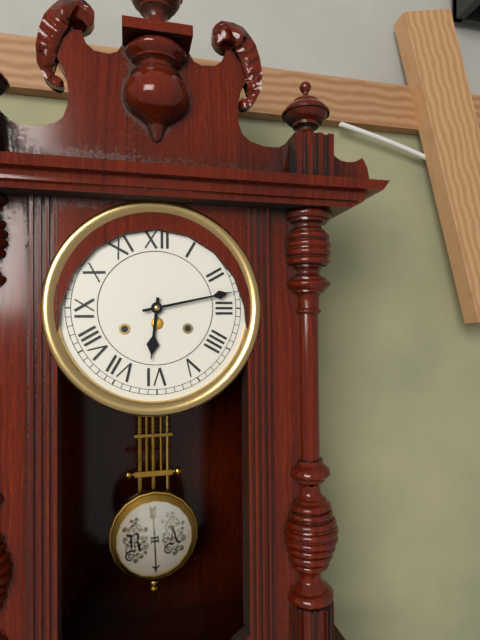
6:13
